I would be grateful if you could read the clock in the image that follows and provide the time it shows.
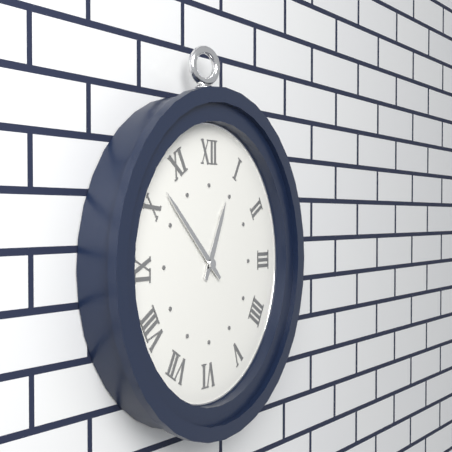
12:52
